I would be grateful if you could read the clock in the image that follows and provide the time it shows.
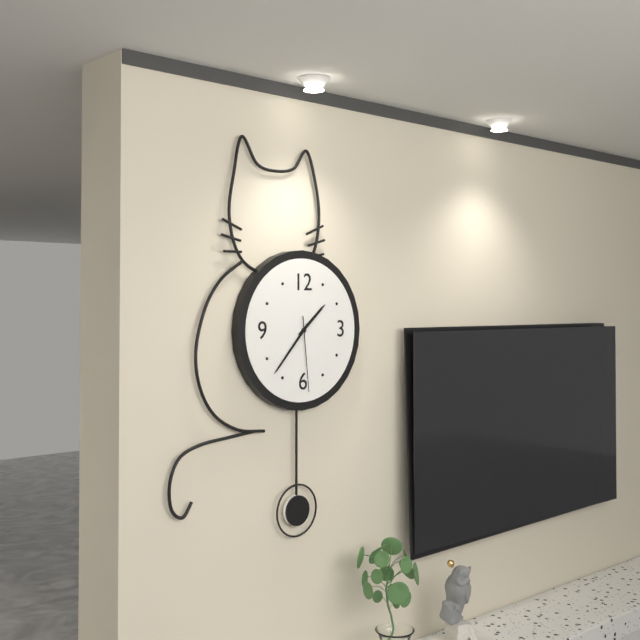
1:37:29
